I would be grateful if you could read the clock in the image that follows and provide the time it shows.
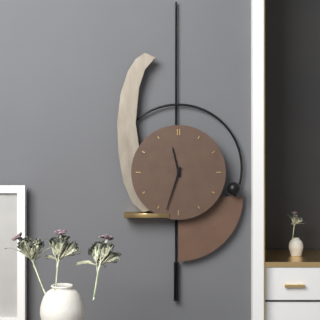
11:33
